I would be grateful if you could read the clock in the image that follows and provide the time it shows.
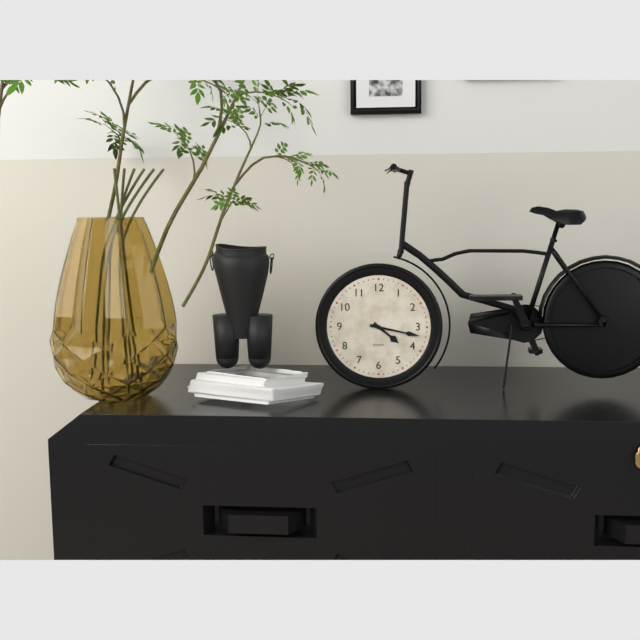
4:17
